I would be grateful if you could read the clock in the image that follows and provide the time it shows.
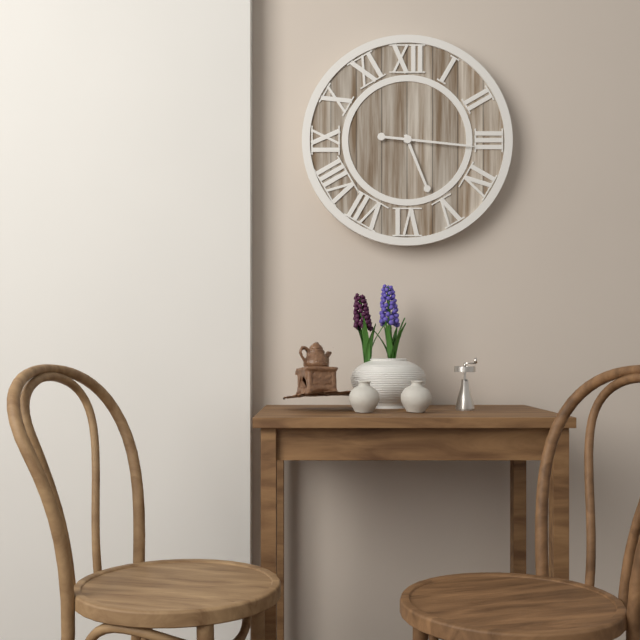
5:16
